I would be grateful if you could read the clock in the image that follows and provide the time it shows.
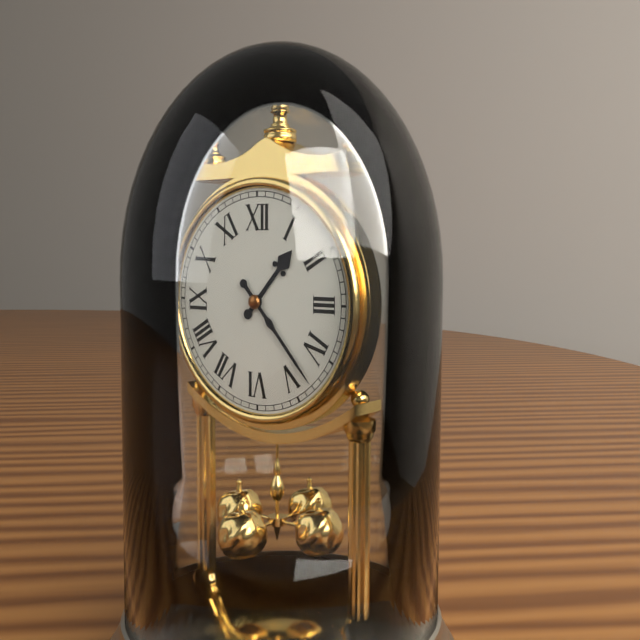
1:23
